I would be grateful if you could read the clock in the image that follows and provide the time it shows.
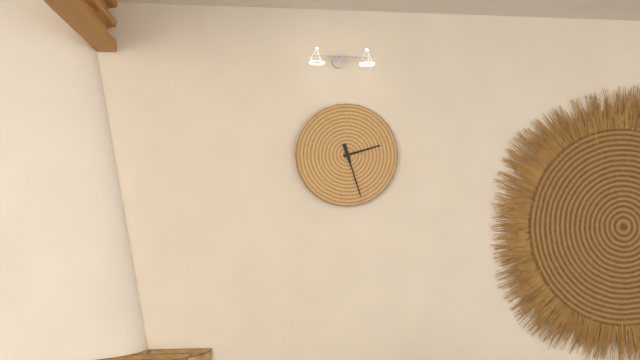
2:27
